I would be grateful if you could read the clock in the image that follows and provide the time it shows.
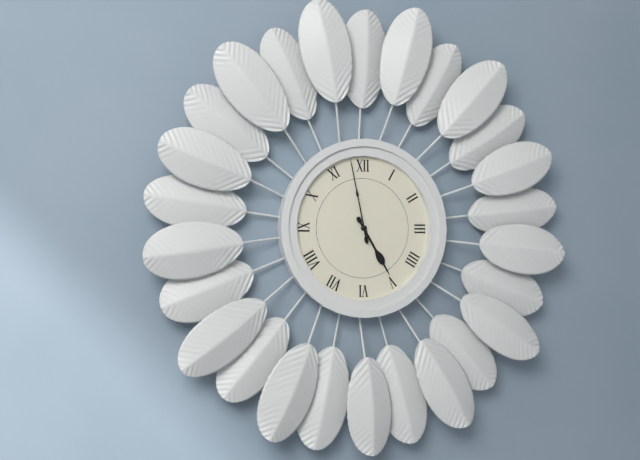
4:58
